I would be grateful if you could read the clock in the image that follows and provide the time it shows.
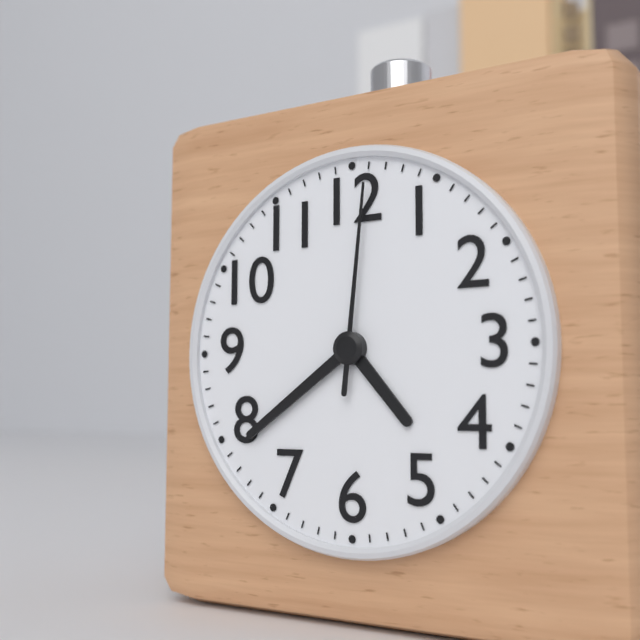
4:39:01
